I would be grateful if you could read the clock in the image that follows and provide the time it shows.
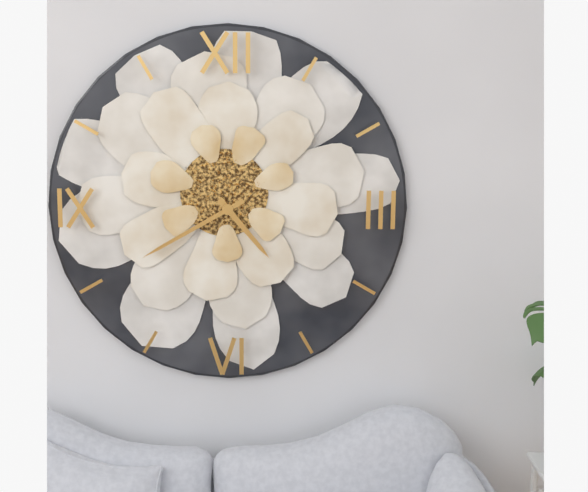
4:40
